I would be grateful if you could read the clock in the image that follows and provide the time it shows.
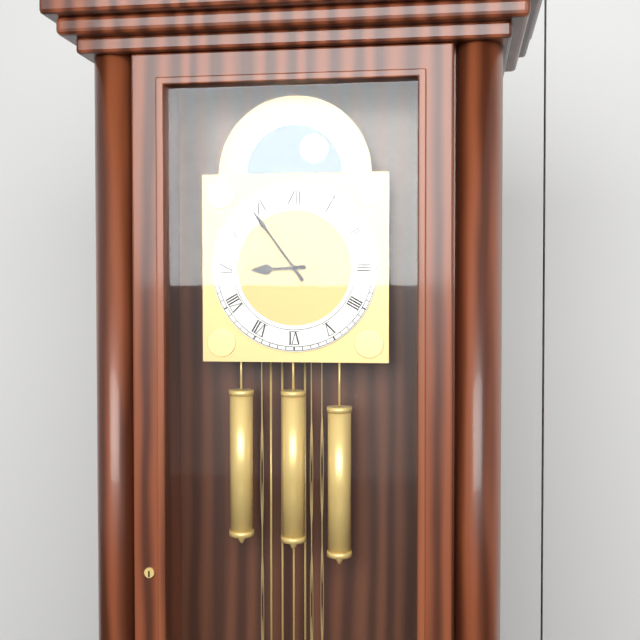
8:54
